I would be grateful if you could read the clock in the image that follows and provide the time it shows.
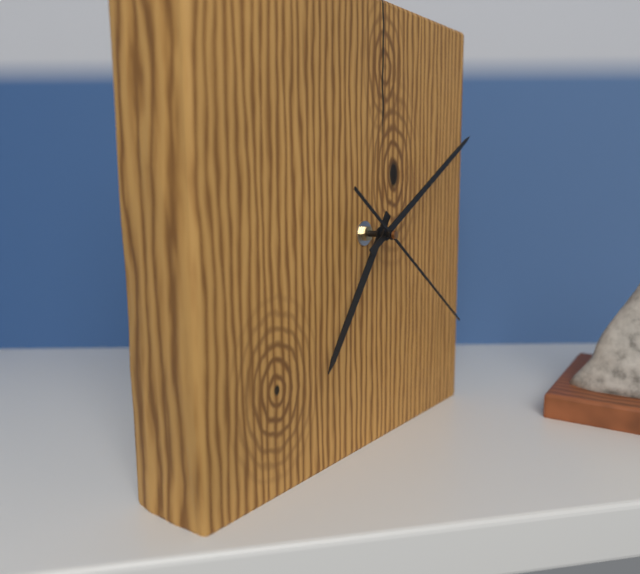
7:10:21
